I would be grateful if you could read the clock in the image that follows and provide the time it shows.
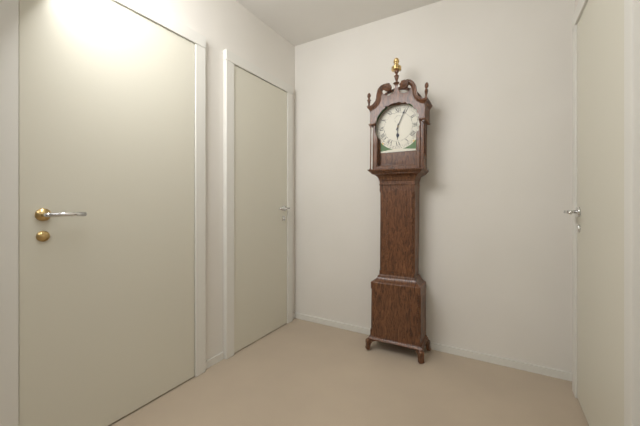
6:04
